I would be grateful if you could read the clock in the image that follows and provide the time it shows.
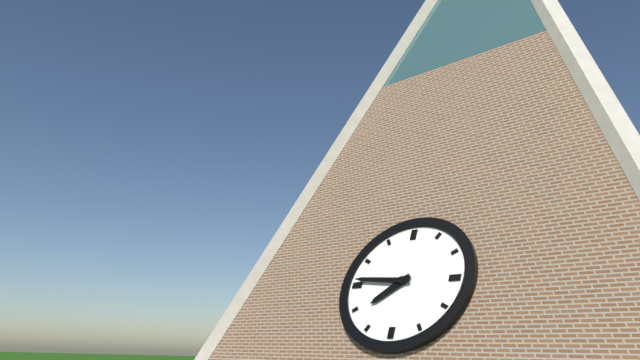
7:46
